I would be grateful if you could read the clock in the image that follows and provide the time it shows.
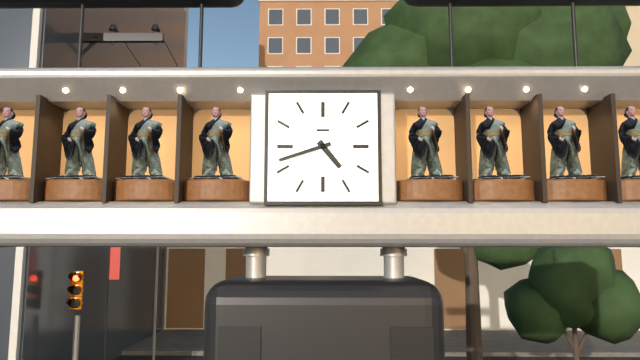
4:42
